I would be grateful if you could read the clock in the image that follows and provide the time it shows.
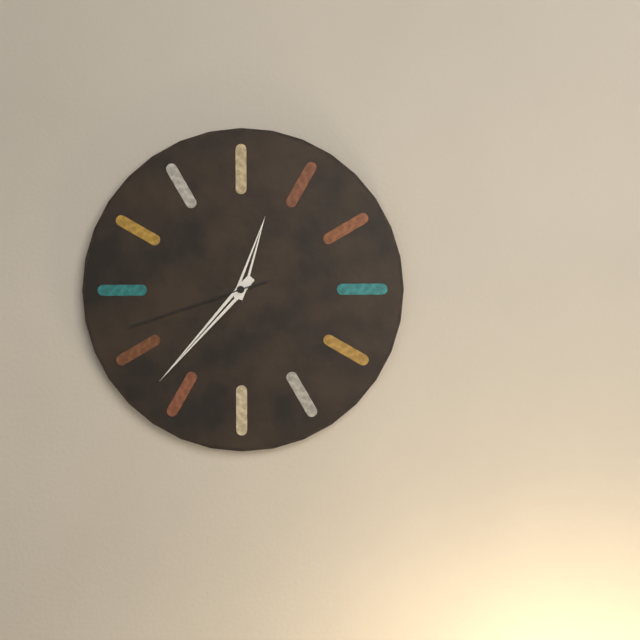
12:37:42
